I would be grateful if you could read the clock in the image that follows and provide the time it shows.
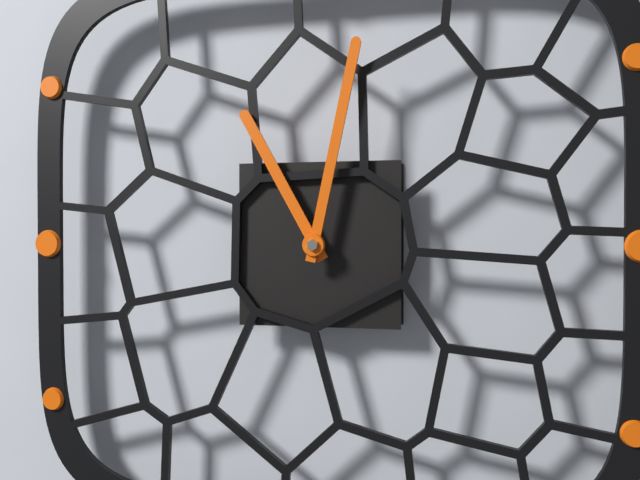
11:02
